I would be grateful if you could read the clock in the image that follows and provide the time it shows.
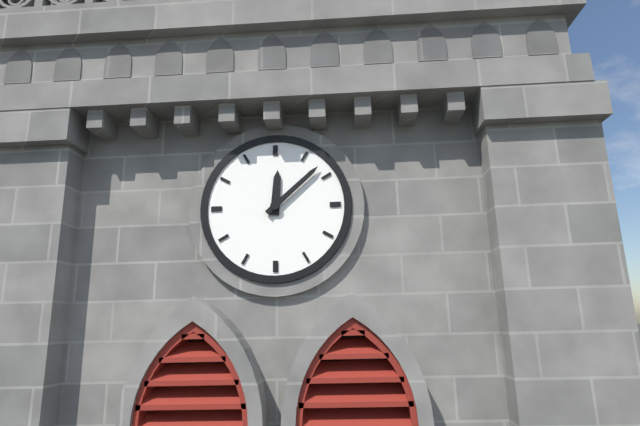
12:08
